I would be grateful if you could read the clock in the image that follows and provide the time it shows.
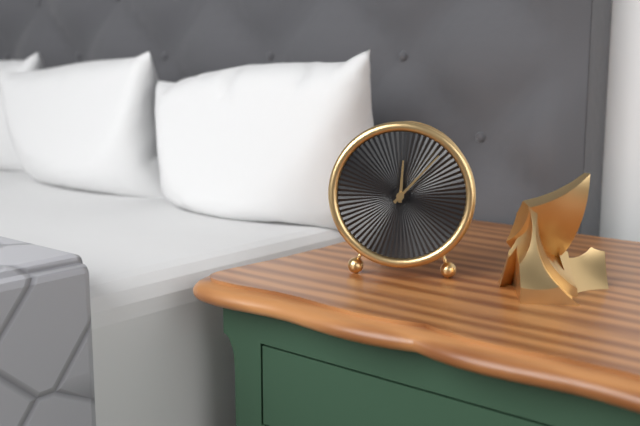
12:07
